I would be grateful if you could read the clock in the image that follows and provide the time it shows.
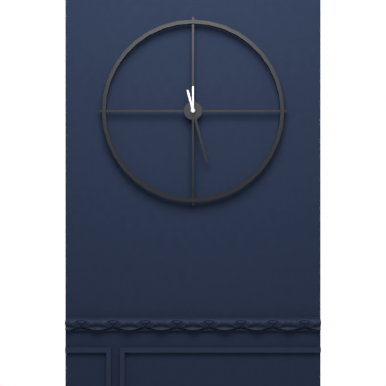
5:30
